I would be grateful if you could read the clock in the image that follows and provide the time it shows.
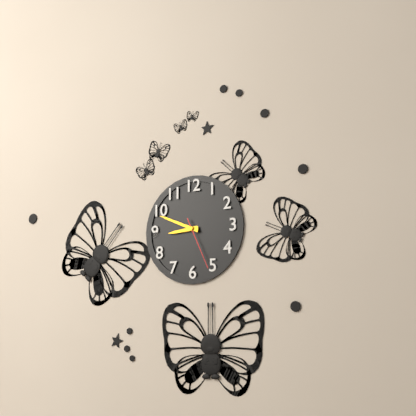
8:49:26
